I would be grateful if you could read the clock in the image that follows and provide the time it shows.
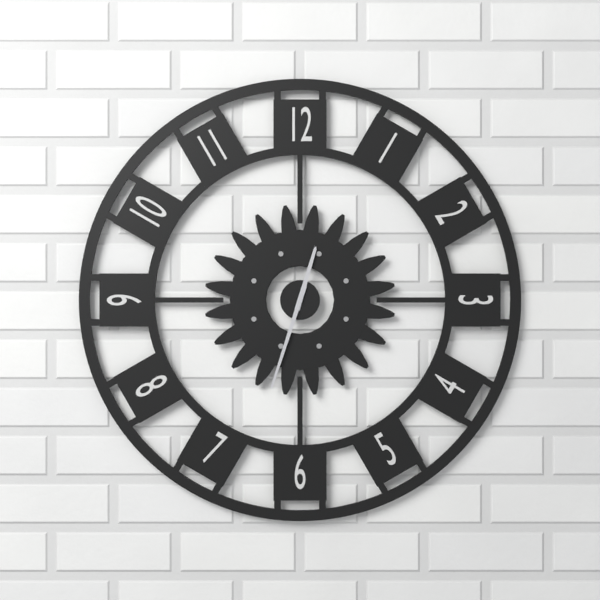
12:33
